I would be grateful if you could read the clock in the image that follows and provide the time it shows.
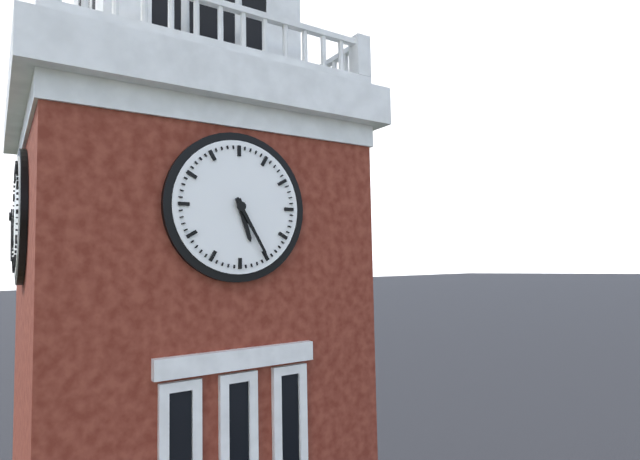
5:25
